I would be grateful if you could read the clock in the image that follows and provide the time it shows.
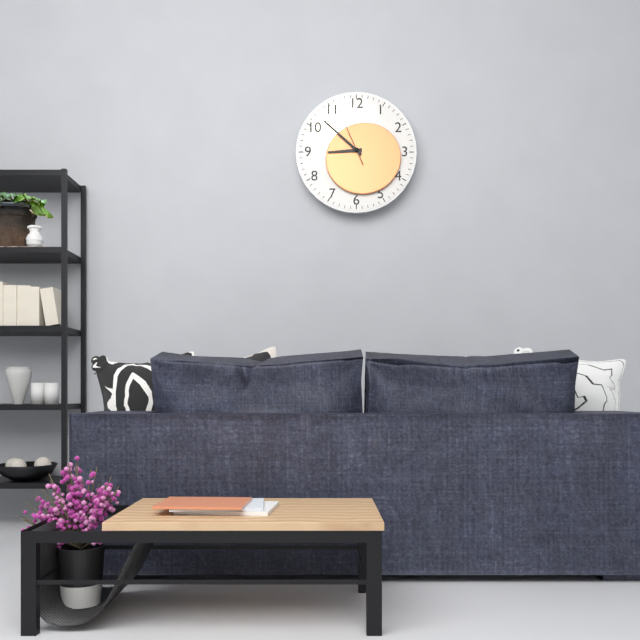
8:52:56
